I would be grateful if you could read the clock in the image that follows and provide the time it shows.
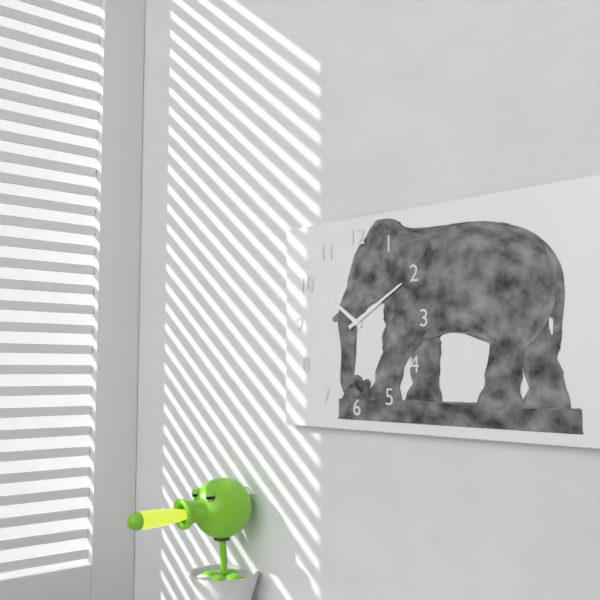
10:10
